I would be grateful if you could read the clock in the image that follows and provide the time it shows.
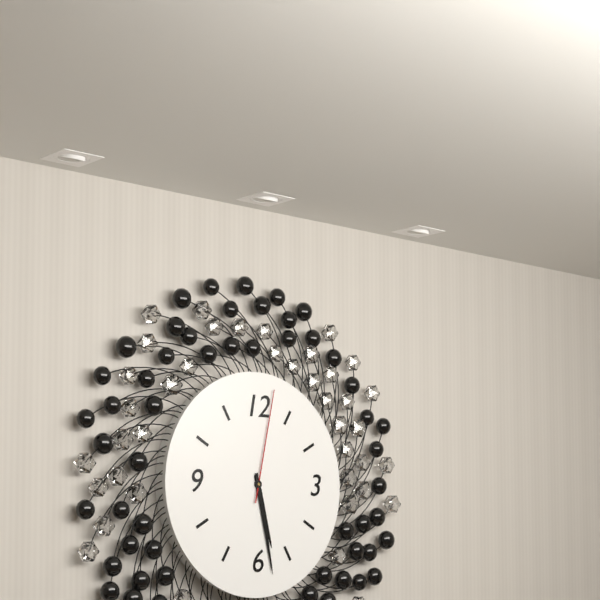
5:28:02
